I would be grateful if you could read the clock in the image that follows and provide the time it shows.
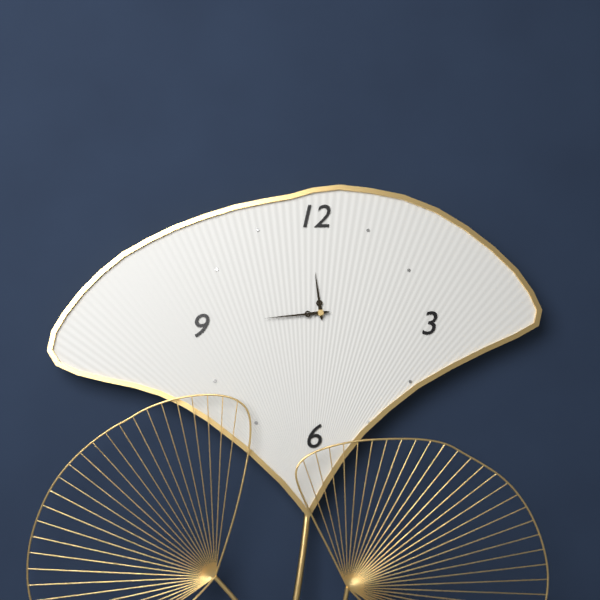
11:44
